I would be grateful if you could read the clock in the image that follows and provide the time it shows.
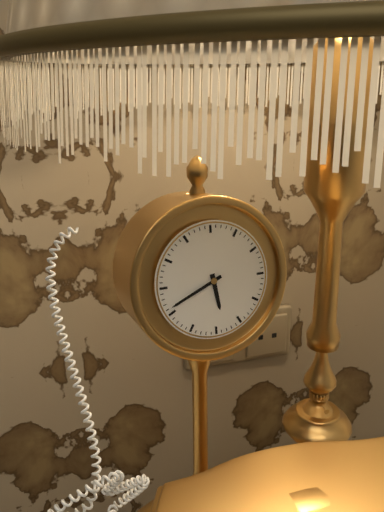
5:41
